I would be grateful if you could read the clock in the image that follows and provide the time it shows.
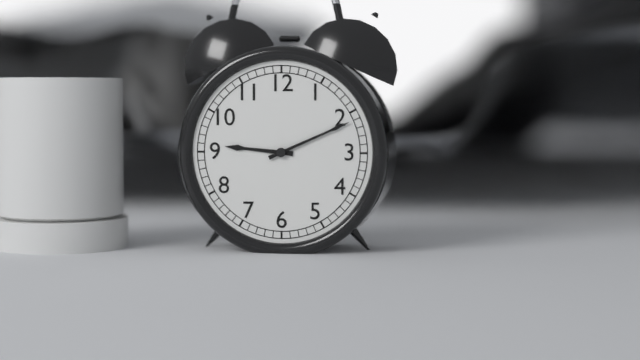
9:11
